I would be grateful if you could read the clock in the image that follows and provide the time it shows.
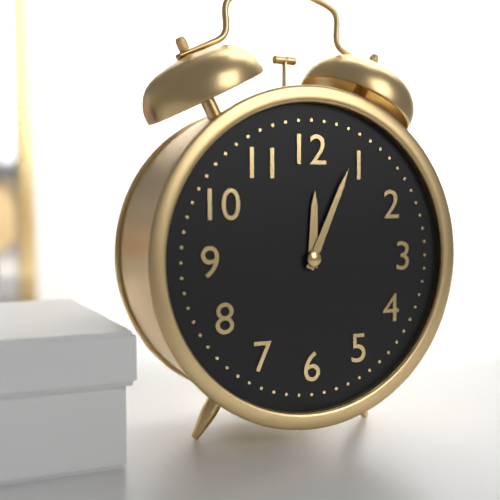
12:04
